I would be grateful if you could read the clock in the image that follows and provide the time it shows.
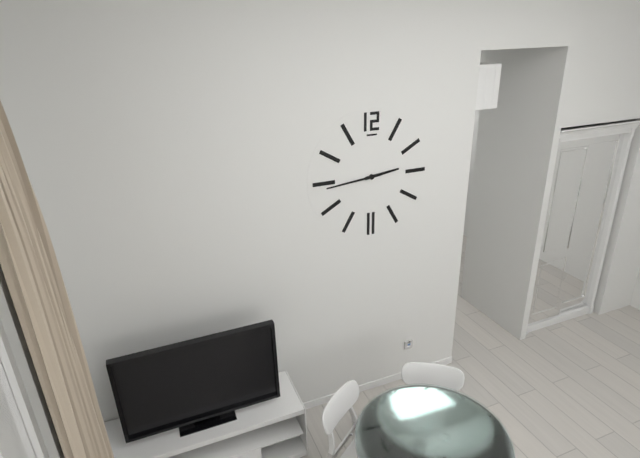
2:44
